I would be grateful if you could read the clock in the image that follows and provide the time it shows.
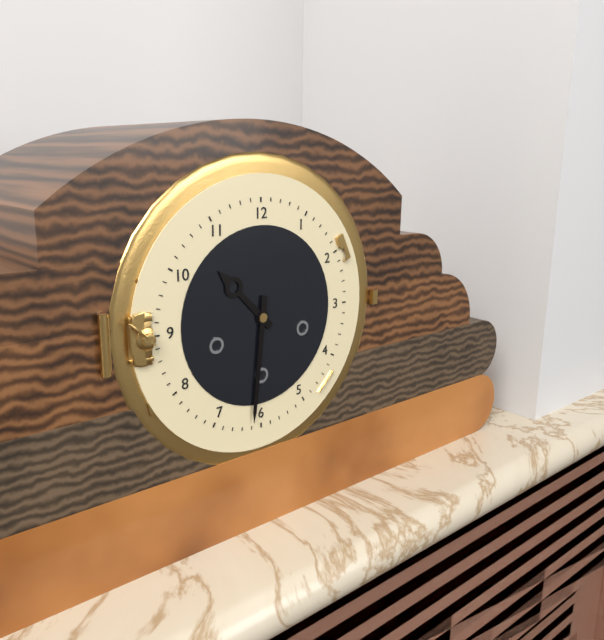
10:31
